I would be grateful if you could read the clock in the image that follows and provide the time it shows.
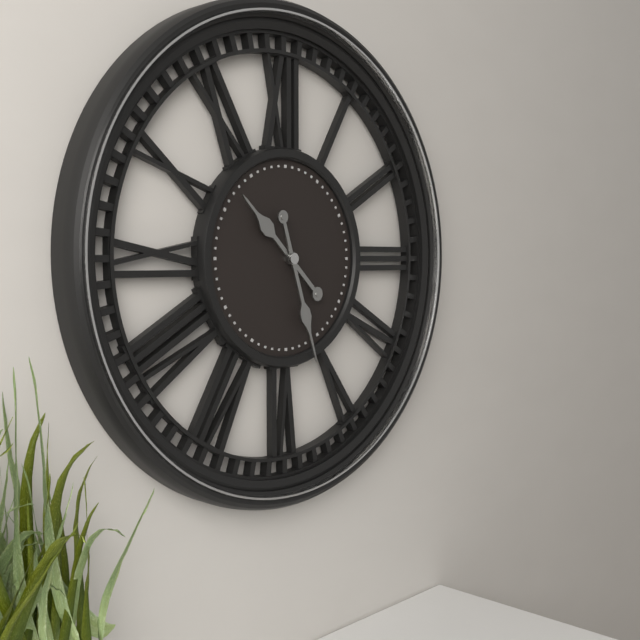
10:27
